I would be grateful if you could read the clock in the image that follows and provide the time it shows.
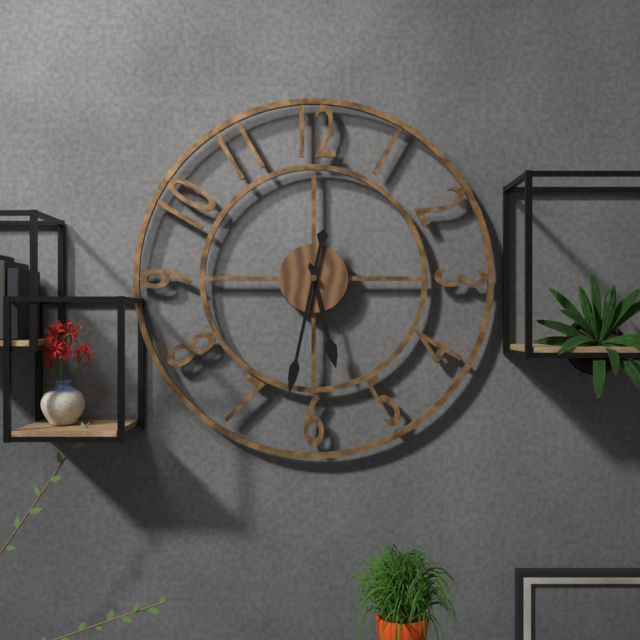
5:32
